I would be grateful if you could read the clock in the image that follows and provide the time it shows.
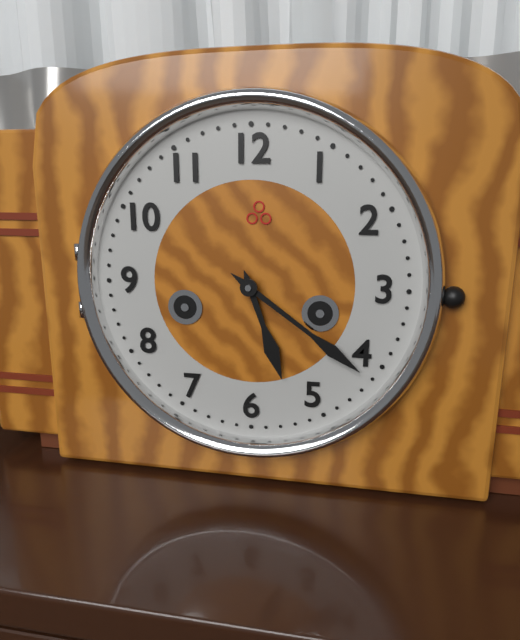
5:21
